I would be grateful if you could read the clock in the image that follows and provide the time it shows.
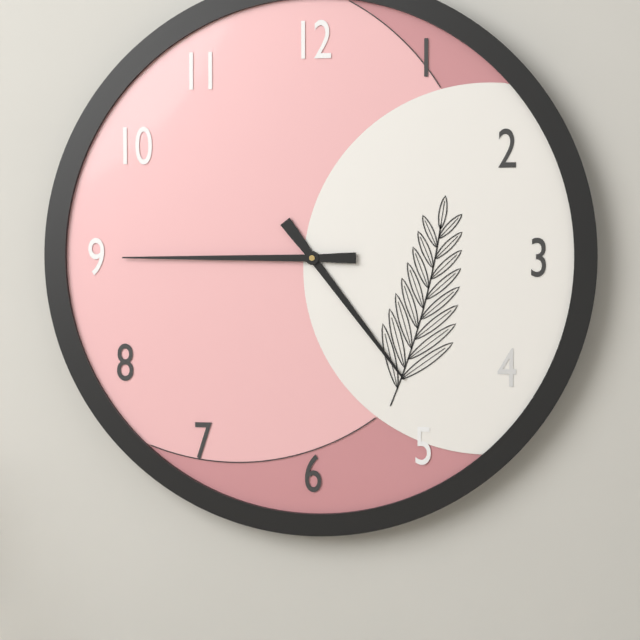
4:45
